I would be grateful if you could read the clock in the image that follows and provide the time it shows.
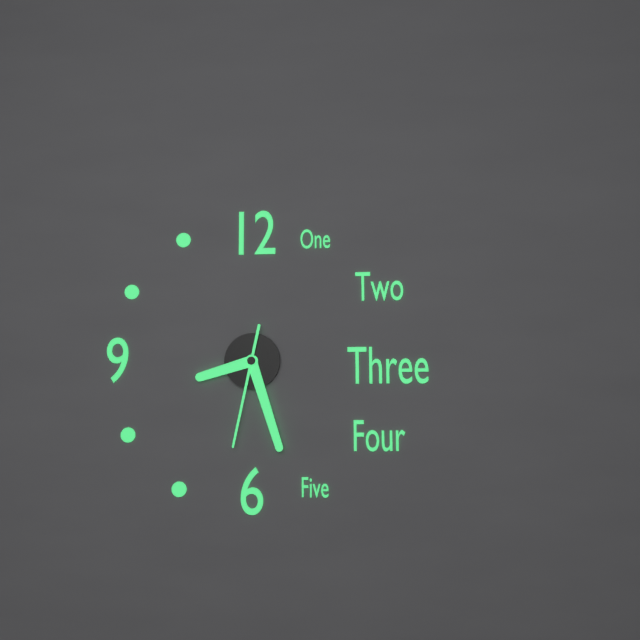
8:27:32
